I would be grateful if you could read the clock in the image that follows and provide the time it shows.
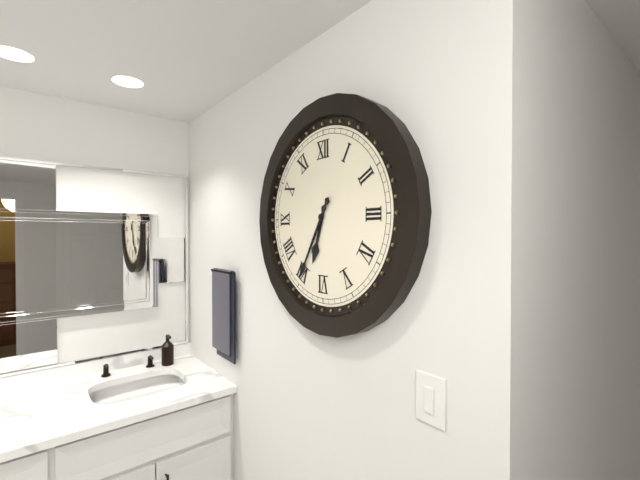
6:35
